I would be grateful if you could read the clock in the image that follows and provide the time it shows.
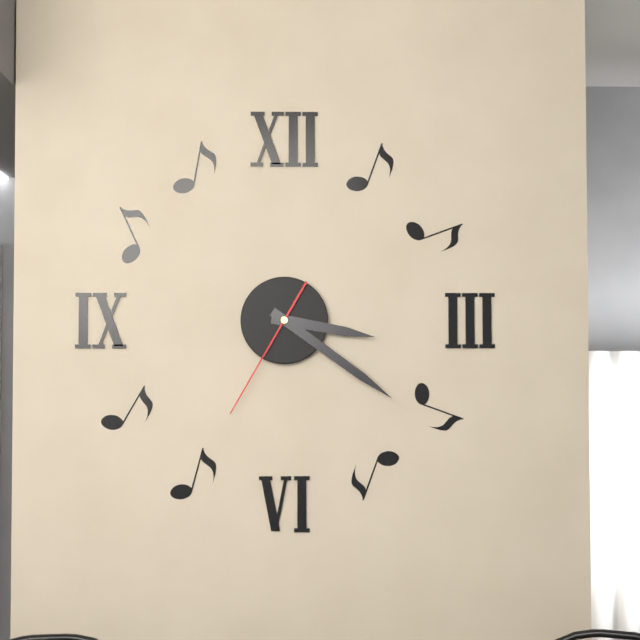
3:21:35
